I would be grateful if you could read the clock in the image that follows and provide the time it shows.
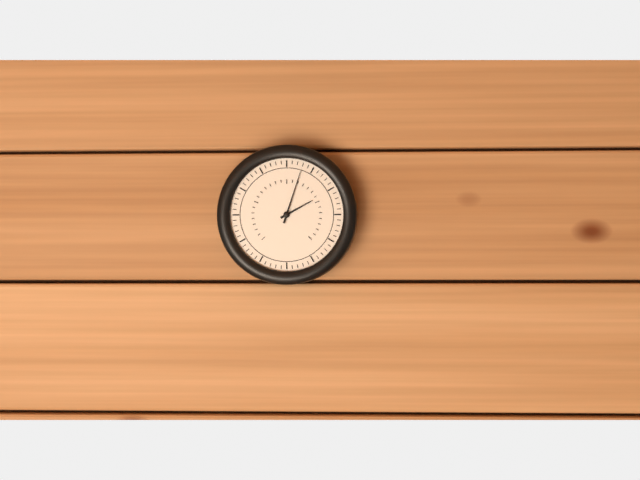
2:03
